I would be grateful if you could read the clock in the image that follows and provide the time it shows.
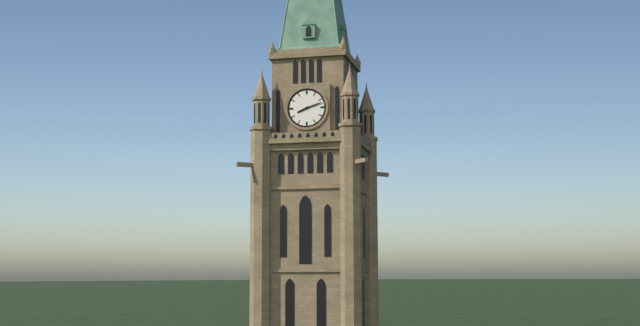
8:12
